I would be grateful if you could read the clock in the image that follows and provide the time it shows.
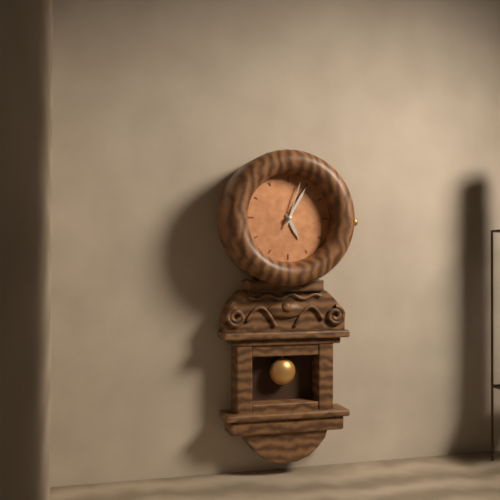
5:05:03
